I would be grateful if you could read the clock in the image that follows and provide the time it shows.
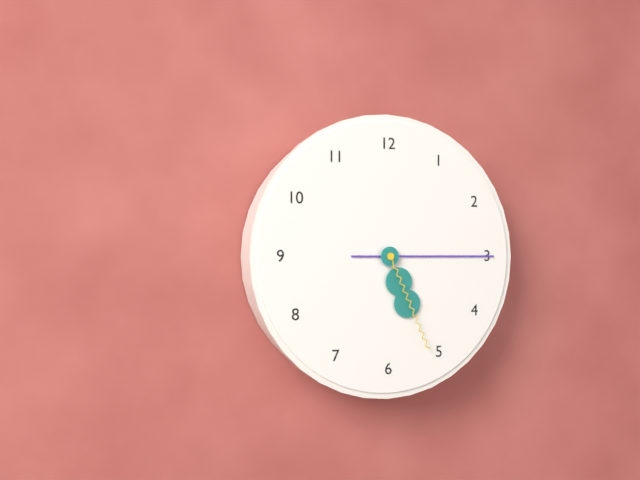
5:15:26
